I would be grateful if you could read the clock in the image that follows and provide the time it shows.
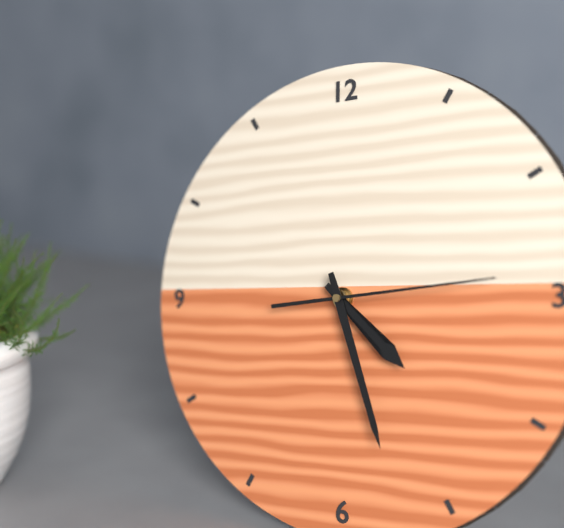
4:27:14
